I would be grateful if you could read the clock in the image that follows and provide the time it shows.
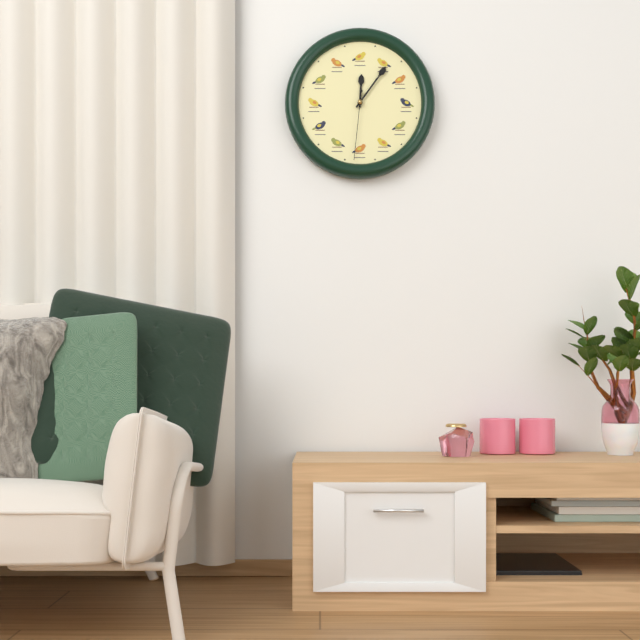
12:06:31
